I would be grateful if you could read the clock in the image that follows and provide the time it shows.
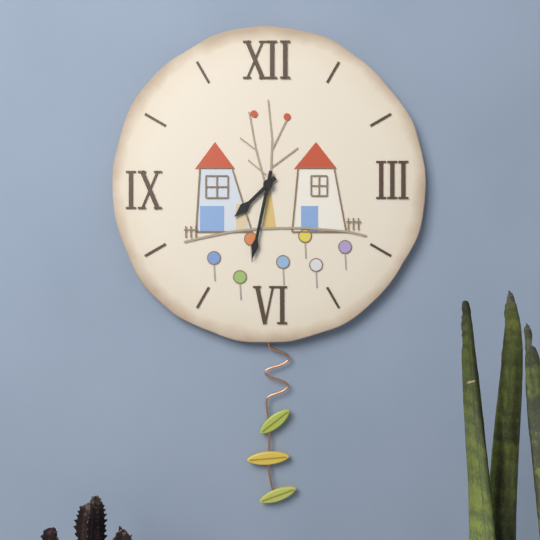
7:32
